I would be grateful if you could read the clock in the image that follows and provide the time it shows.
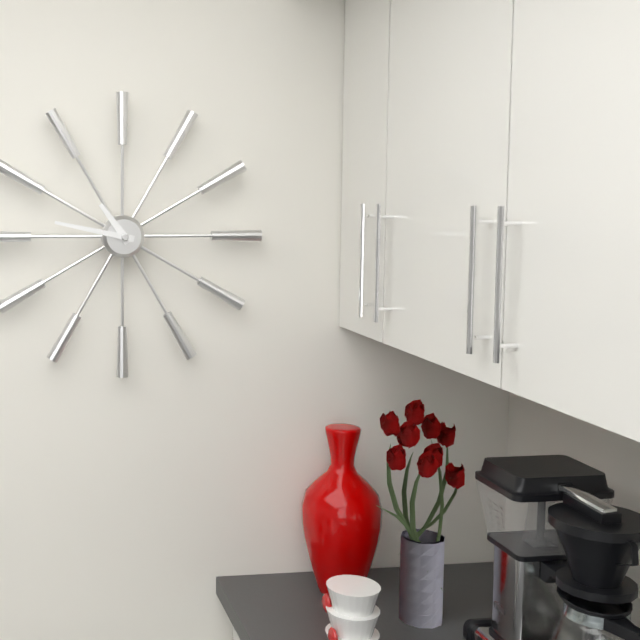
10:47
